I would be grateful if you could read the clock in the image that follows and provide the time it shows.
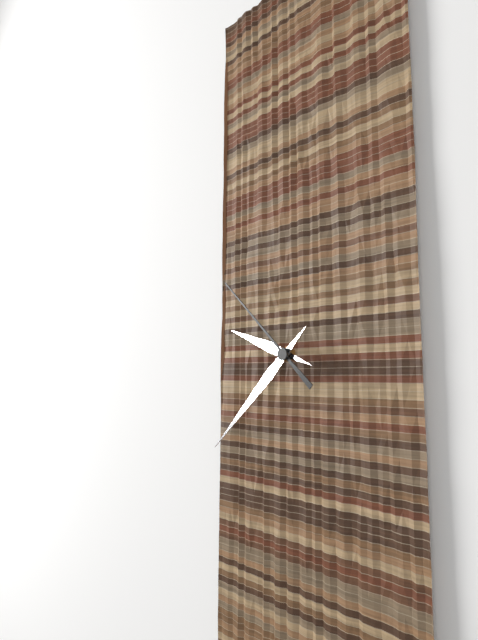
9:38:52
